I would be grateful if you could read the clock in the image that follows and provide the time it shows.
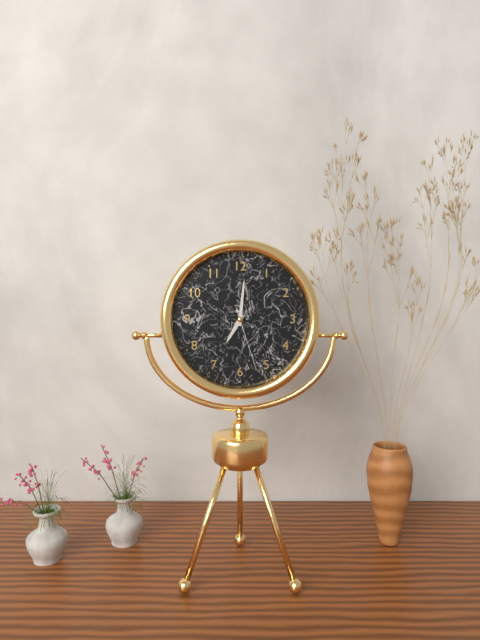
7:01:27
